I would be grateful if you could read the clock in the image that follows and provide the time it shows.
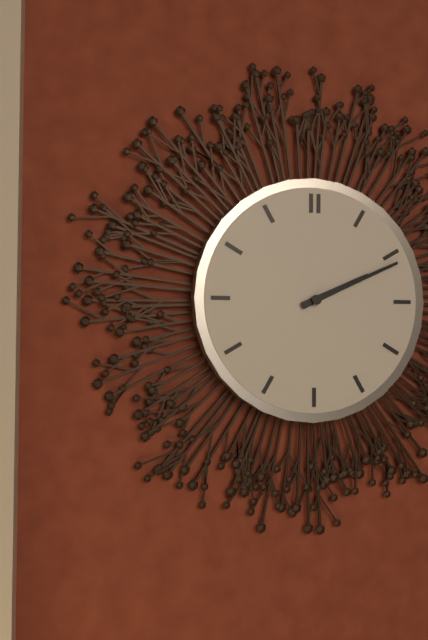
2:11
